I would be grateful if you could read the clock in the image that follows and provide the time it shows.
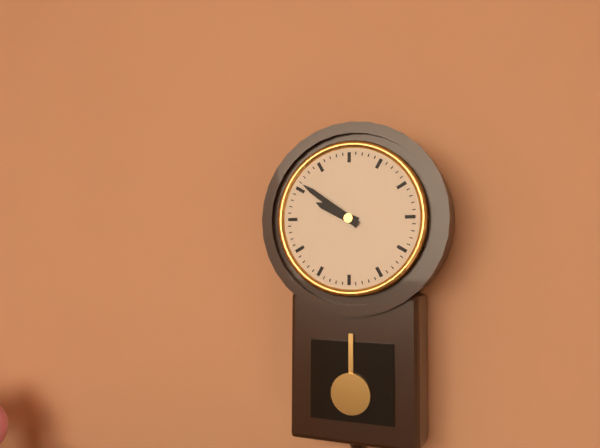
9:51
